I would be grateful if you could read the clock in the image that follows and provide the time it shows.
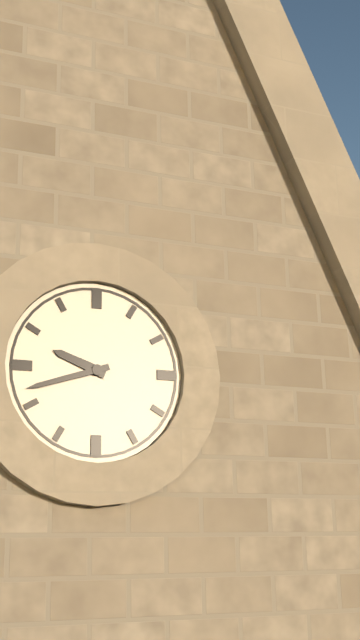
9:42
